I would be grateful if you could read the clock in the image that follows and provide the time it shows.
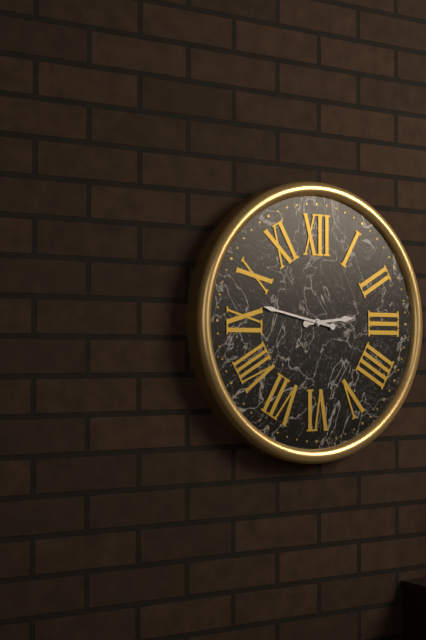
2:47
